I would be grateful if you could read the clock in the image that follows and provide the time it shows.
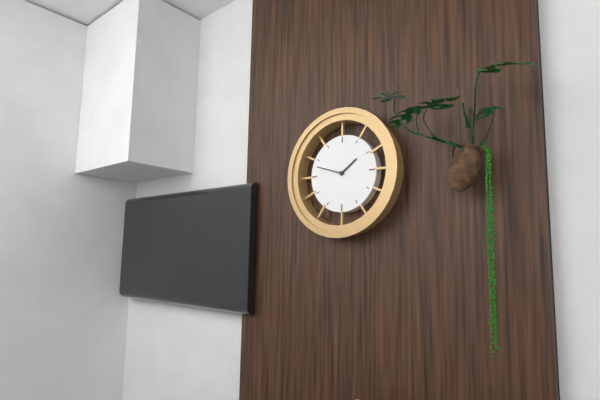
1:48
